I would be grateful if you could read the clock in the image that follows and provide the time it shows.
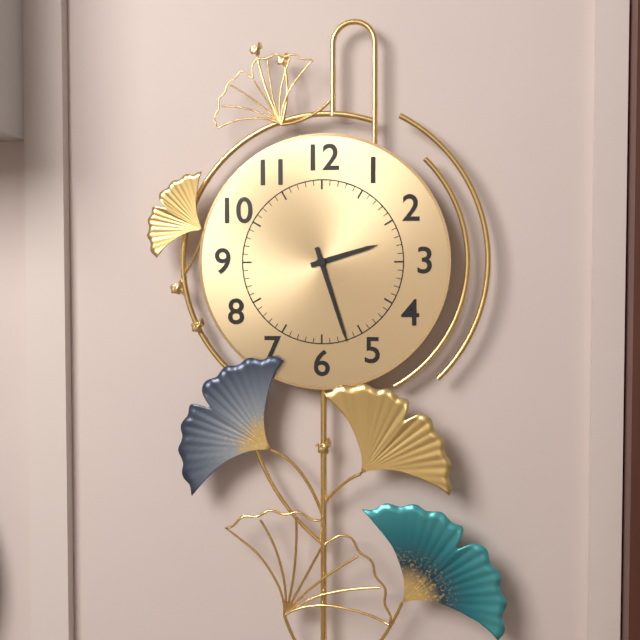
2:27
